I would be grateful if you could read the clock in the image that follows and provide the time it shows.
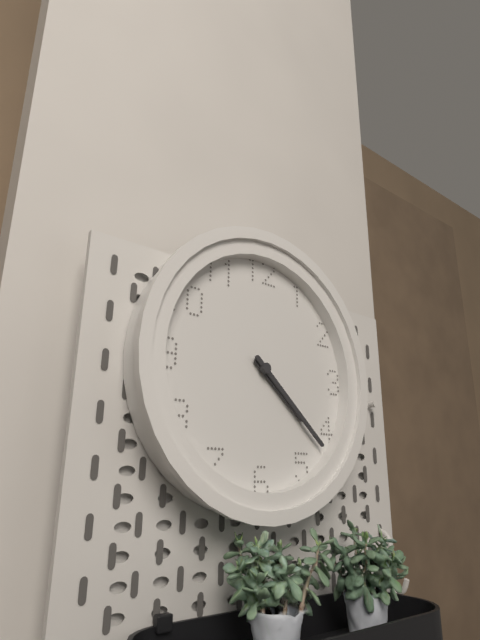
4:22
